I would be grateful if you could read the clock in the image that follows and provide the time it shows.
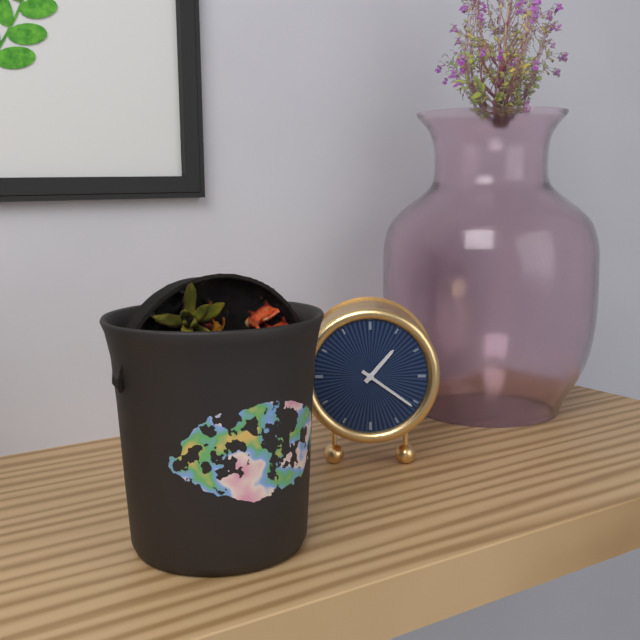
1:21
